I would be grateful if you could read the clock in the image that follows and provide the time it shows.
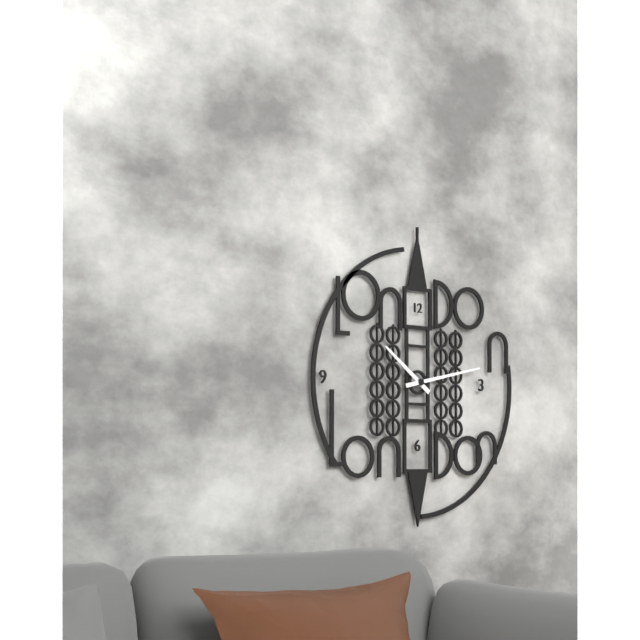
10:13
